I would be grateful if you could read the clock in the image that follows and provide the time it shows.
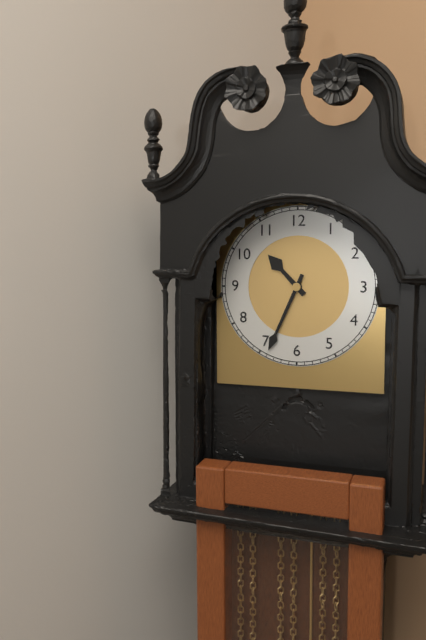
10:34
